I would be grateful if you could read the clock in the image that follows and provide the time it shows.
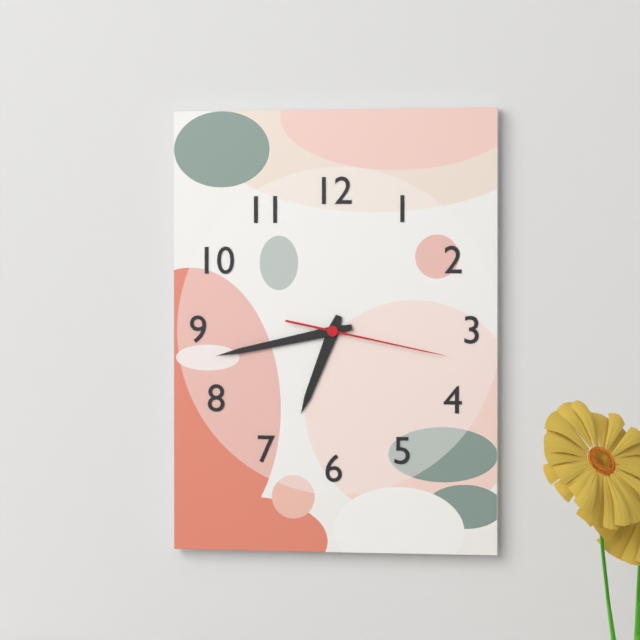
6:43:17
